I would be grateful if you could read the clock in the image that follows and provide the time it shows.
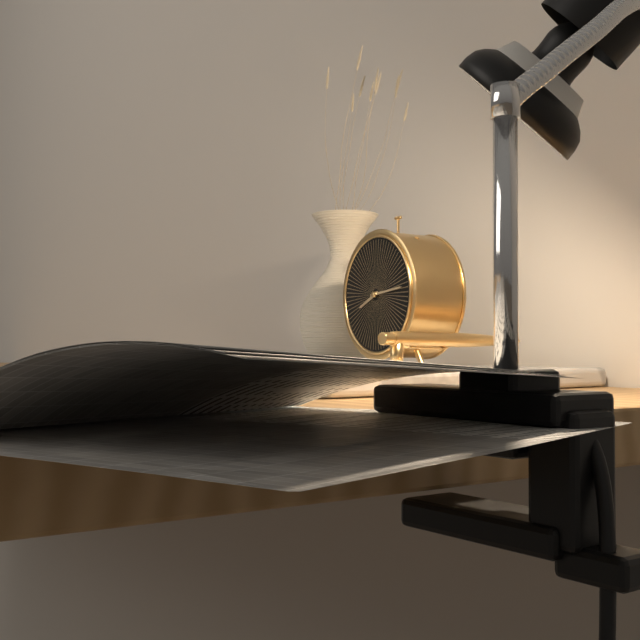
8:14
